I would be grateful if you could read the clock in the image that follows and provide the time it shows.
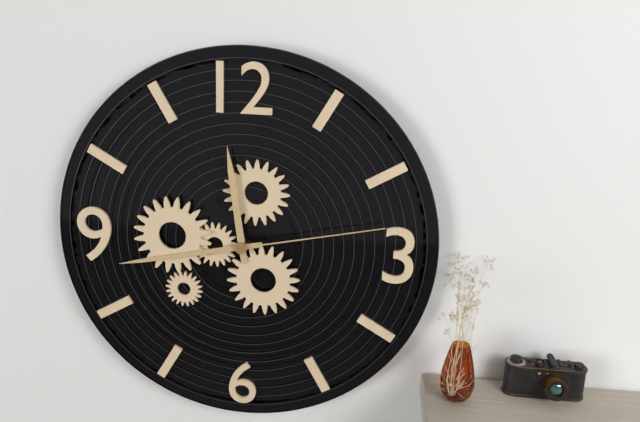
11:43:13
